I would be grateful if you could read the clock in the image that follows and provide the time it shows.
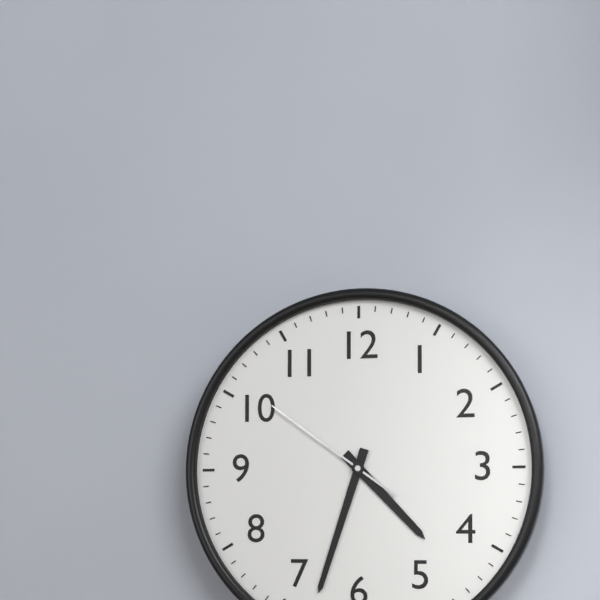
4:33:51
